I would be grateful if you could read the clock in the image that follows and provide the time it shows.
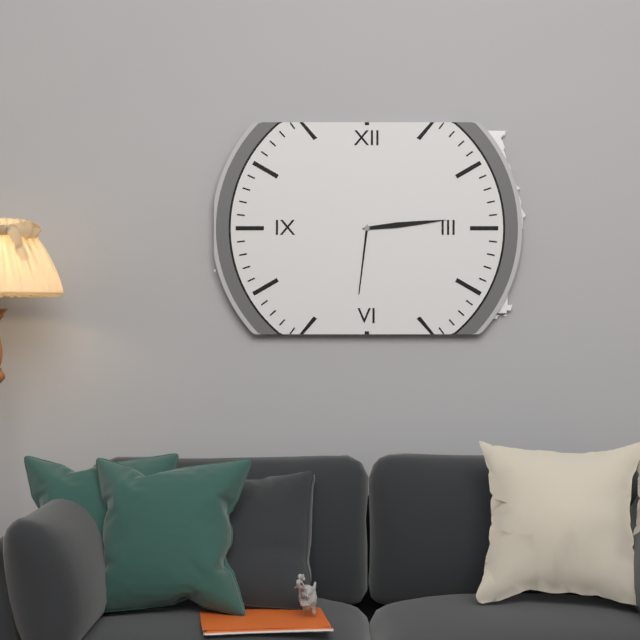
6:14
